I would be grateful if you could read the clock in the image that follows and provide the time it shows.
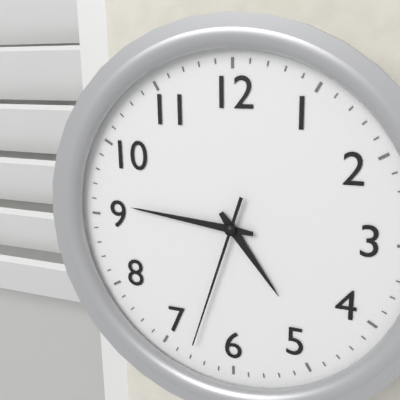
4:46:33
